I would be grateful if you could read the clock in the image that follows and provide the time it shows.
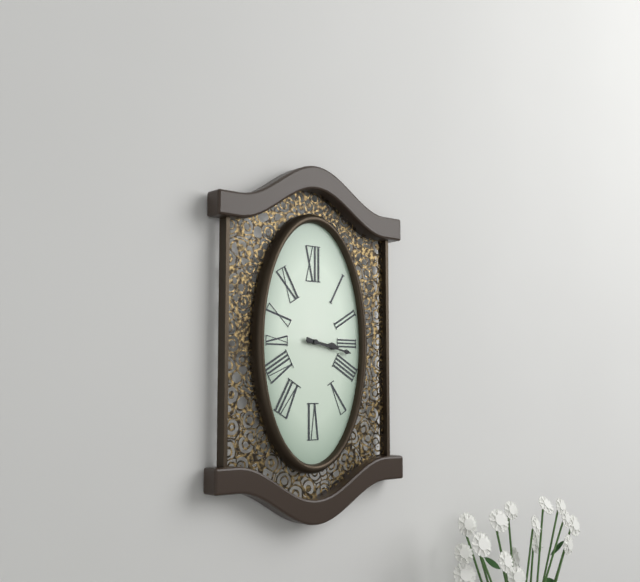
3:17
